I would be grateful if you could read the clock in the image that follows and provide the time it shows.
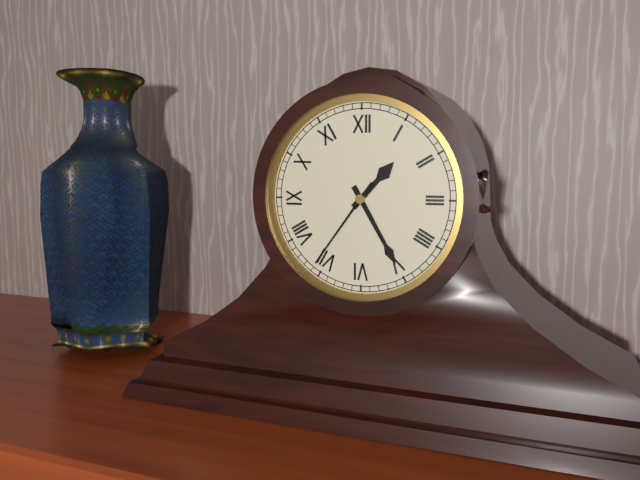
1:25:36
